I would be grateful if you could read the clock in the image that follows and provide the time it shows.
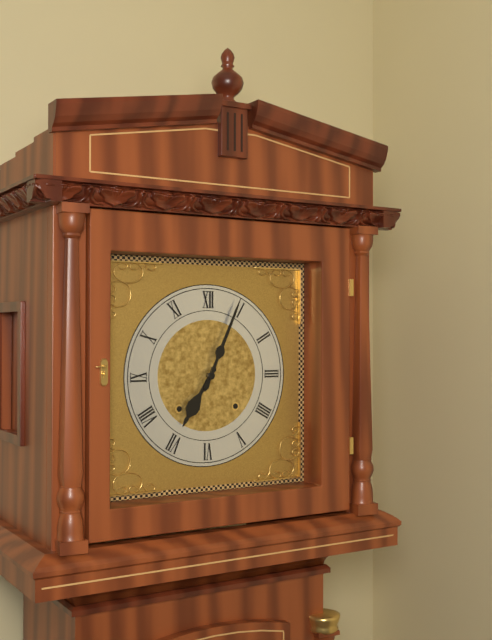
7:04
